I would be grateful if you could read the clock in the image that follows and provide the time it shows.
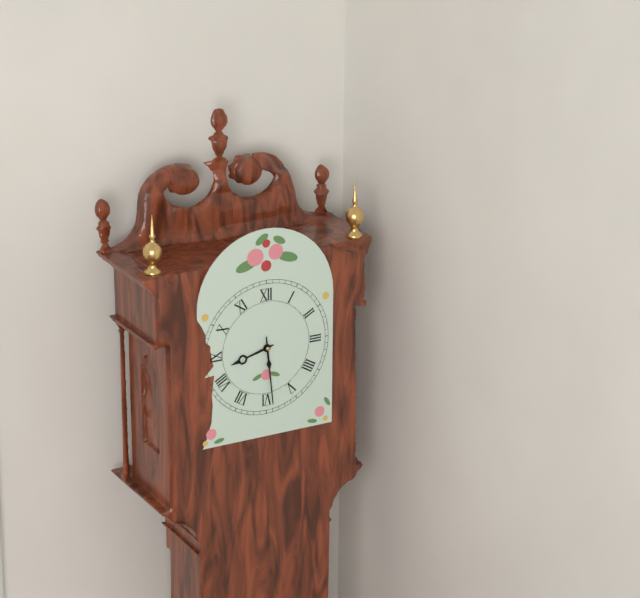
8:29
